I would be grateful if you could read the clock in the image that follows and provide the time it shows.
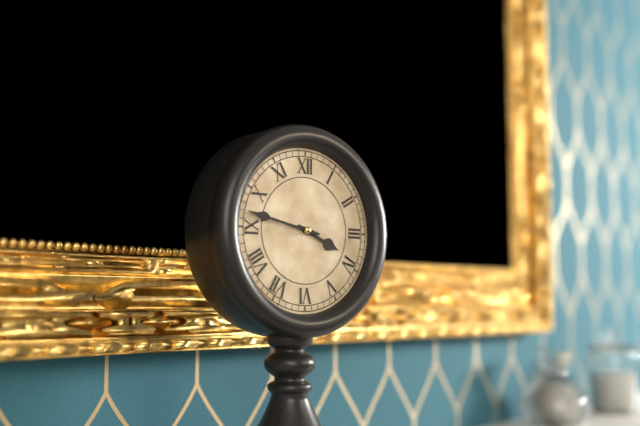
3:47
